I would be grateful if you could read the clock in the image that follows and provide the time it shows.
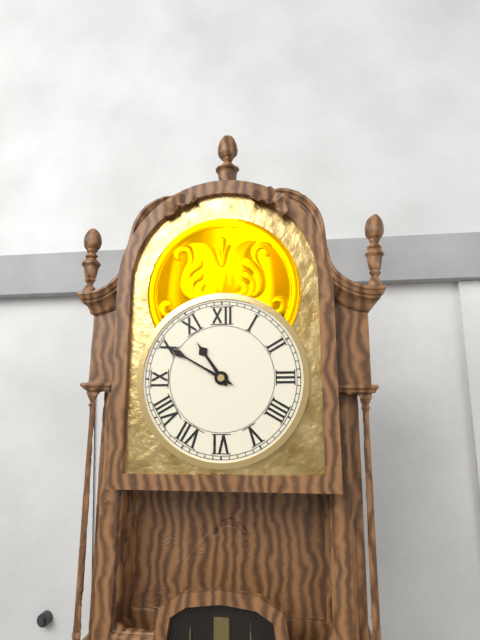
10:50
